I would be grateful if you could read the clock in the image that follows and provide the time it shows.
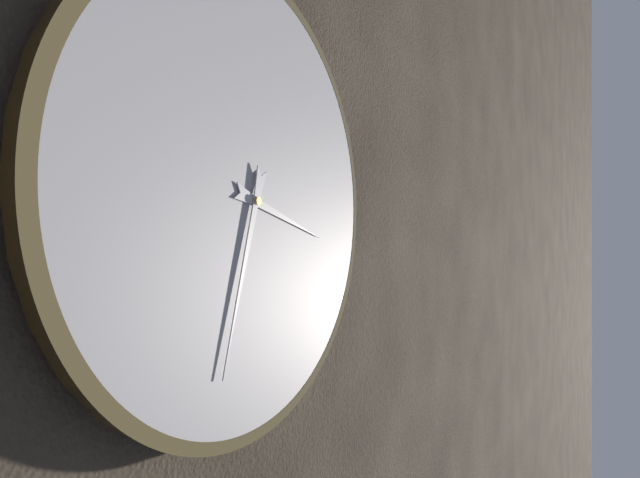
3:33
